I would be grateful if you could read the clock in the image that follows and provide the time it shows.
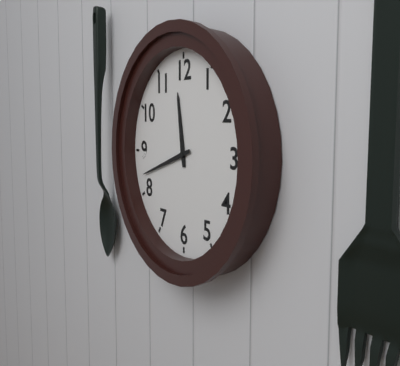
11:42
